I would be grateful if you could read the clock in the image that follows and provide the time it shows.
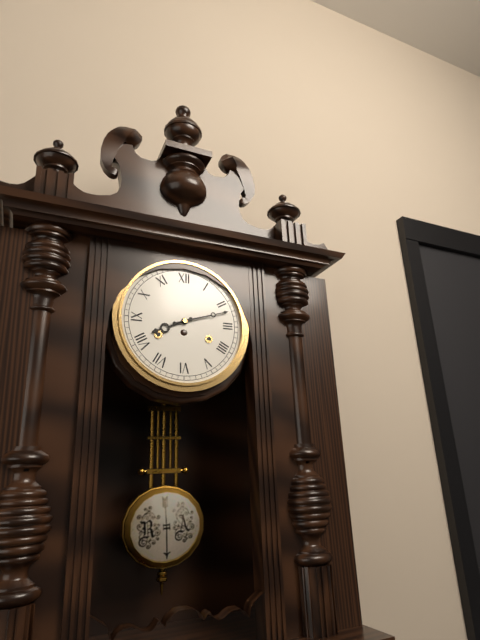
8:12
